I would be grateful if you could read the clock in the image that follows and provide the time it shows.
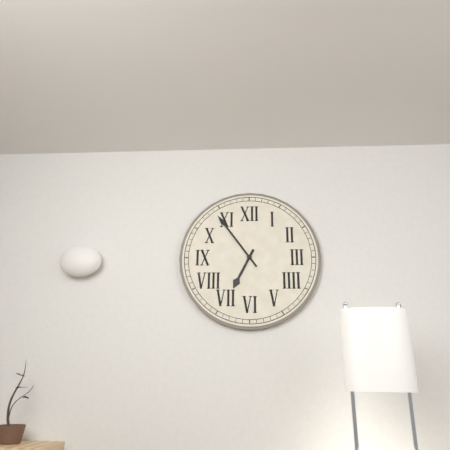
6:54
